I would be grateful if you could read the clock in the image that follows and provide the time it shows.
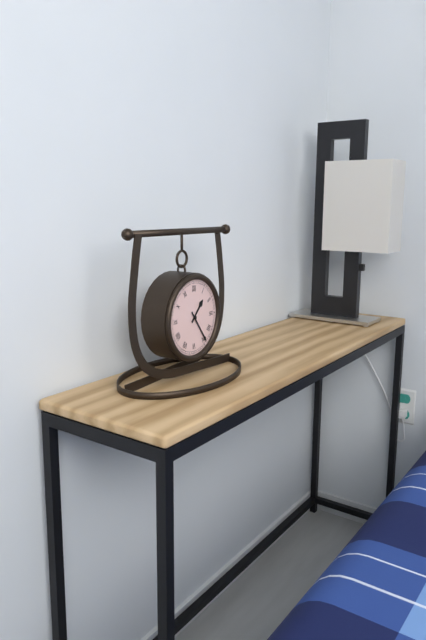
1:24
